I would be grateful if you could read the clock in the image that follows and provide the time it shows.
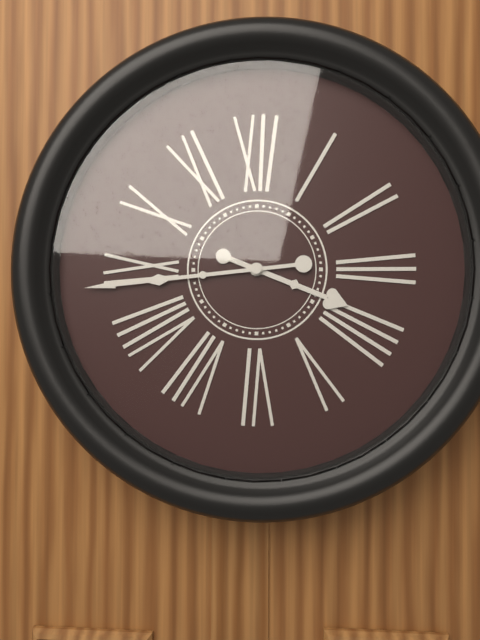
3:44
